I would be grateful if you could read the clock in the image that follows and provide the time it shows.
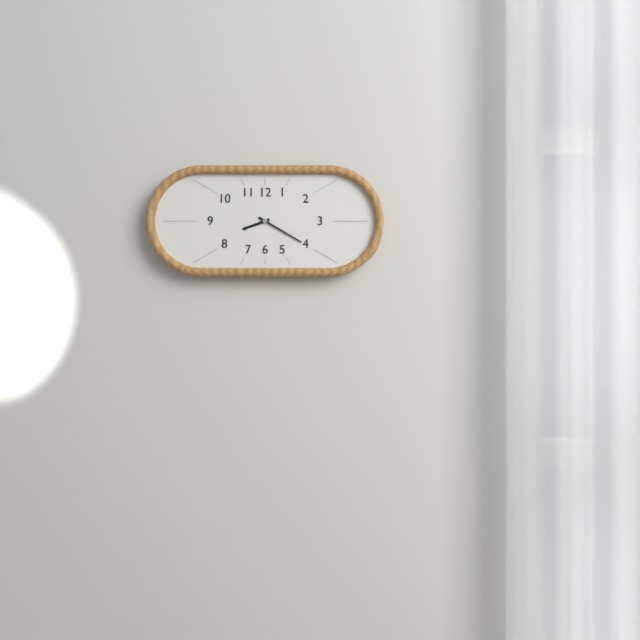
8:20
